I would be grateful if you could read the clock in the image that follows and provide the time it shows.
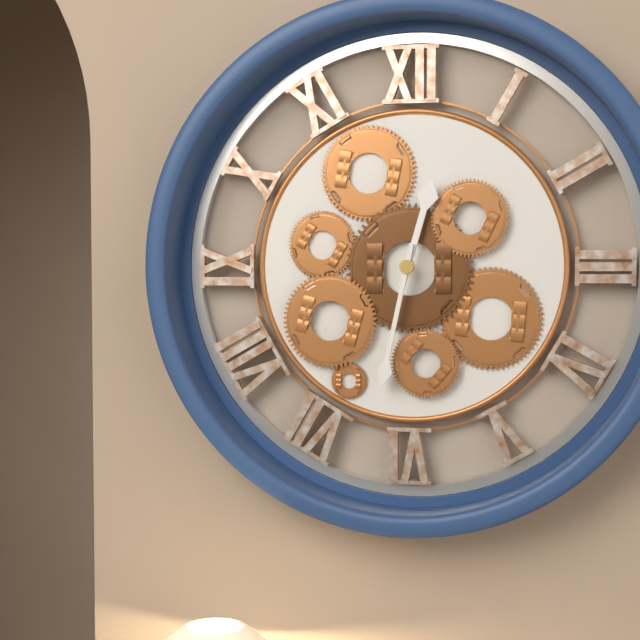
12:32
